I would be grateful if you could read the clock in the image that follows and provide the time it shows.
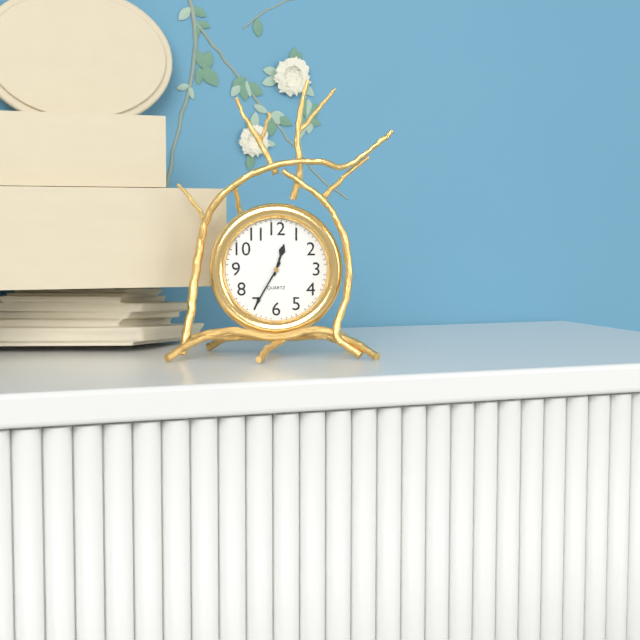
12:35
